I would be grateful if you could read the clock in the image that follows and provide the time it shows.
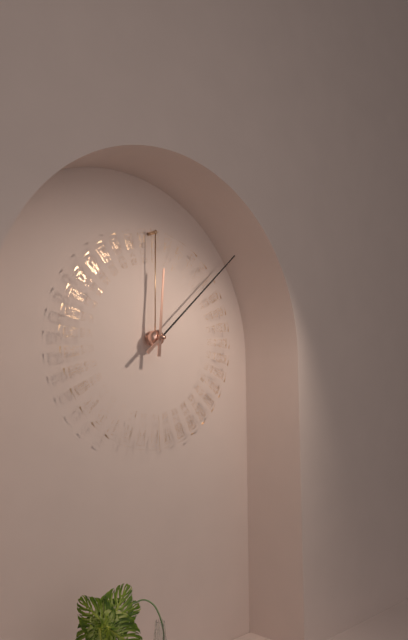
12:08
